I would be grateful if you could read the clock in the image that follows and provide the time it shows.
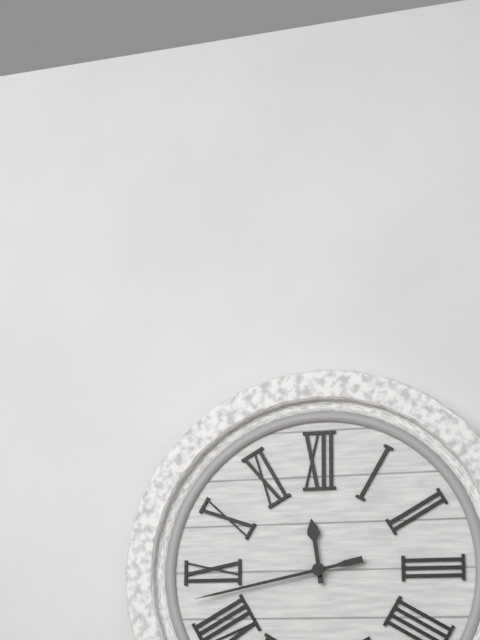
11:43
